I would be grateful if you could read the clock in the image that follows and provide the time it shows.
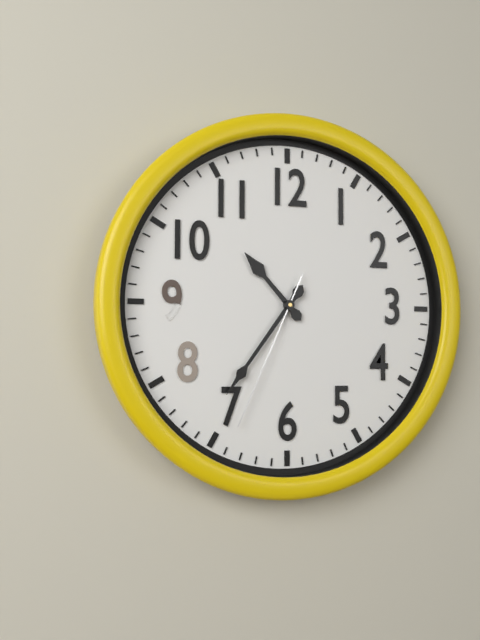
10:36:34
